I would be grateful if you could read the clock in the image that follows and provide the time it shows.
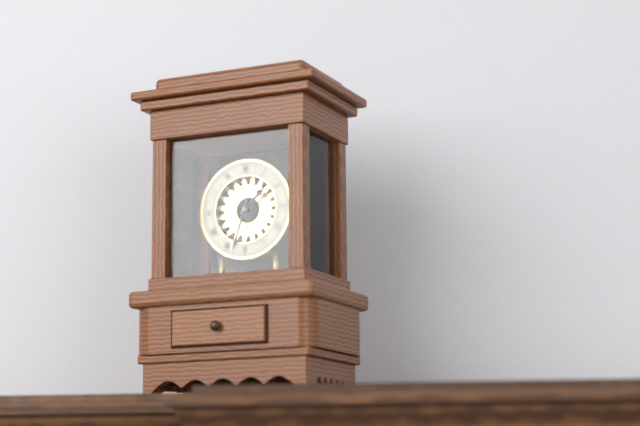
1:33
